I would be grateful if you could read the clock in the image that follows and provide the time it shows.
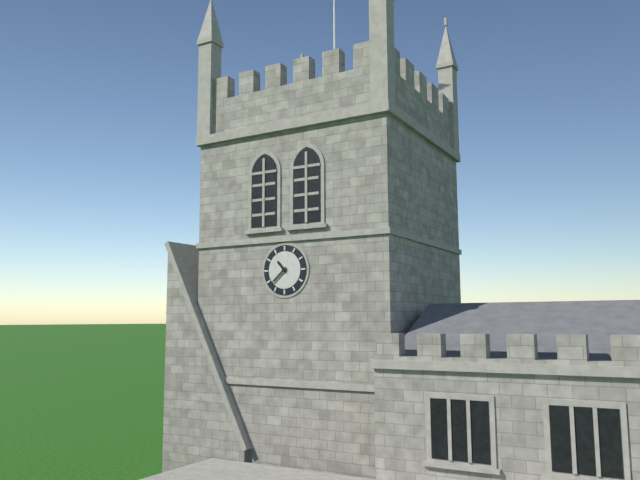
10:38
